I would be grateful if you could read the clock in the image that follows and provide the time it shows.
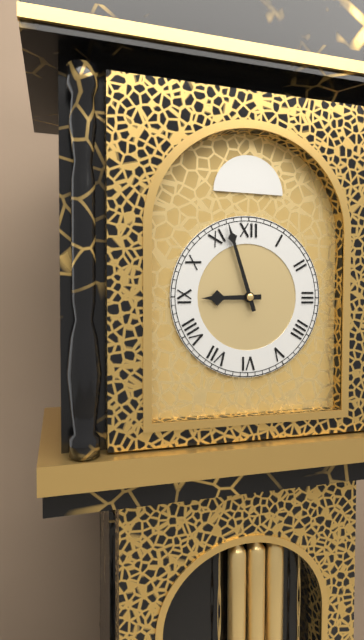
8:57
